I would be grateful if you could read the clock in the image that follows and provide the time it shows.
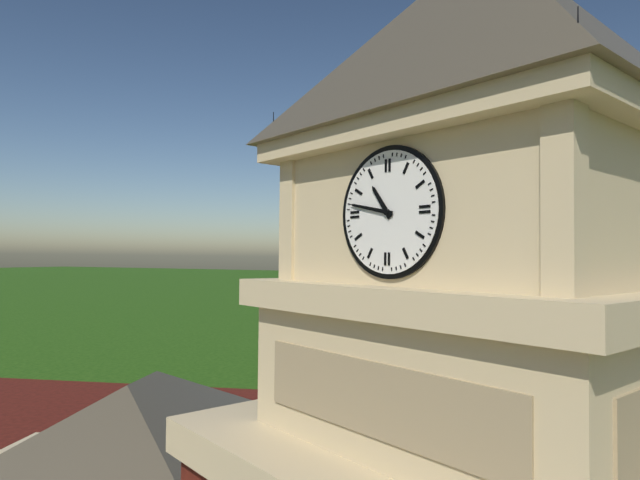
10:47
